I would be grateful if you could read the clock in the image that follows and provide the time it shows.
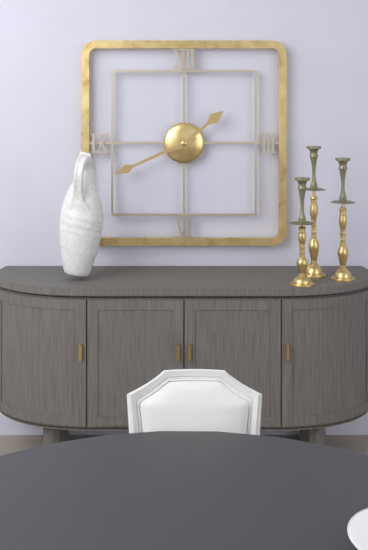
1:41
